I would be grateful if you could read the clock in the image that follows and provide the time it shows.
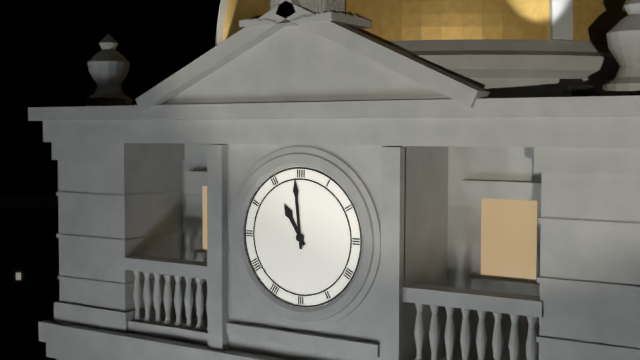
10:59
